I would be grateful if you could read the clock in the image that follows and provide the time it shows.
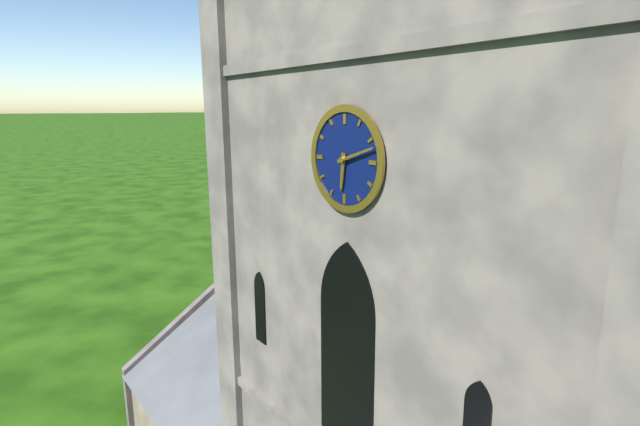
6:12
